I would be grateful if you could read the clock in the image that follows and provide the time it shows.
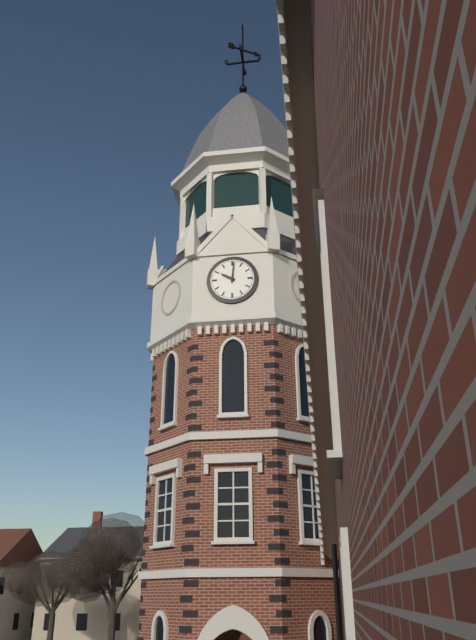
10:01
